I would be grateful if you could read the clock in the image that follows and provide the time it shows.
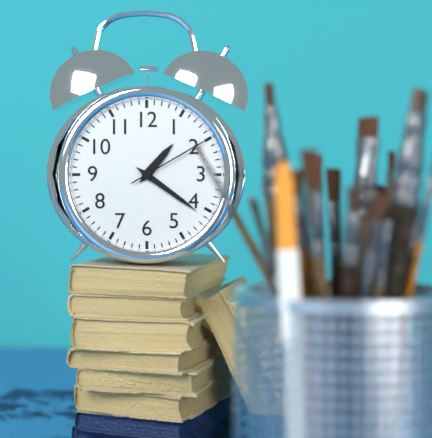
1:21:10
